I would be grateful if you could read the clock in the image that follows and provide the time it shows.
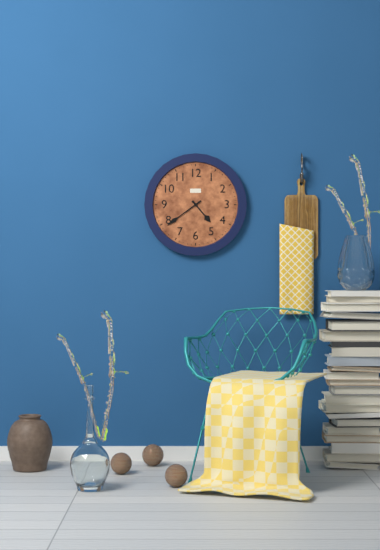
4:39
